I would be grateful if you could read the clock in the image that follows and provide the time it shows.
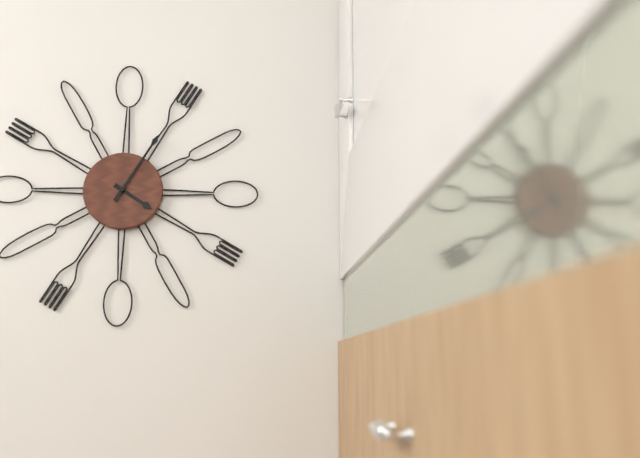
4:05
